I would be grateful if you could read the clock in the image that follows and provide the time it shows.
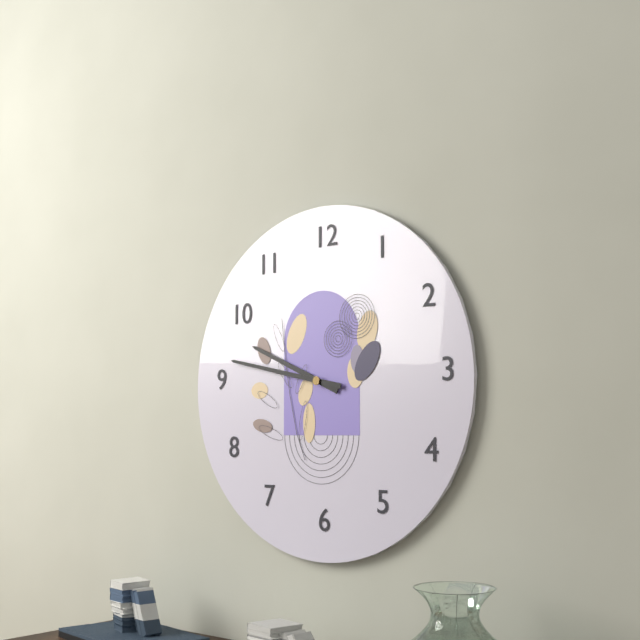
9:47
